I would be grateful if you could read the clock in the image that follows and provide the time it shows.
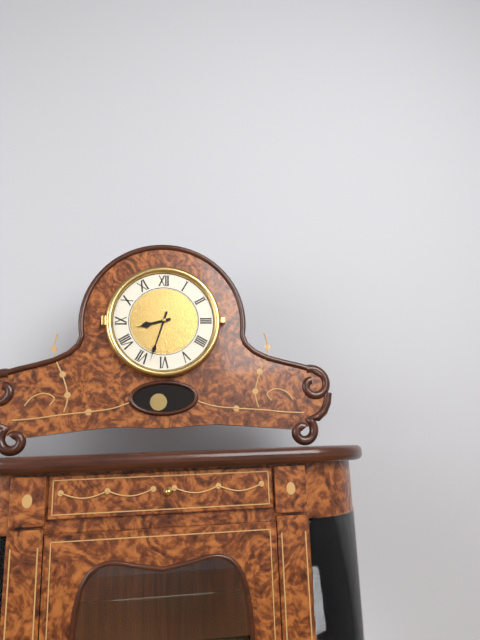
8:33
